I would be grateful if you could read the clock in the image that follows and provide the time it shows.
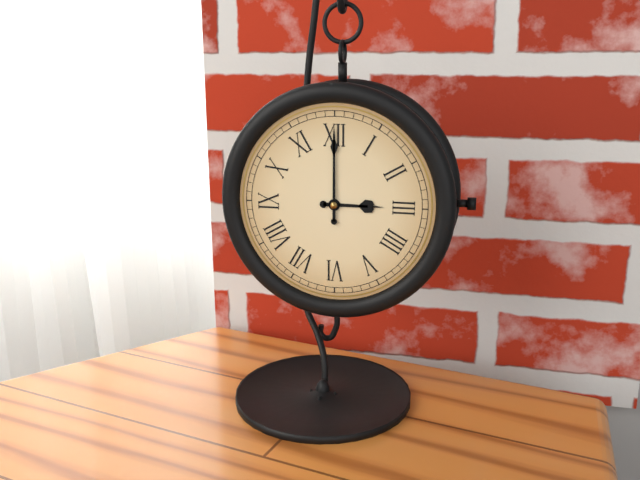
3:00
